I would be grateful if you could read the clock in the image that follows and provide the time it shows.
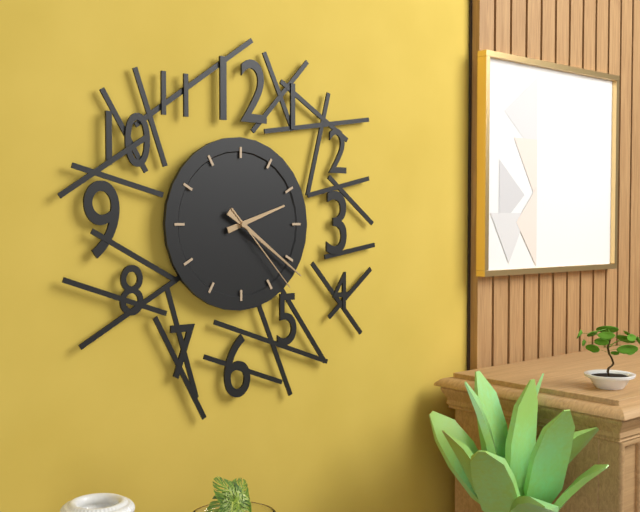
2:21:23
